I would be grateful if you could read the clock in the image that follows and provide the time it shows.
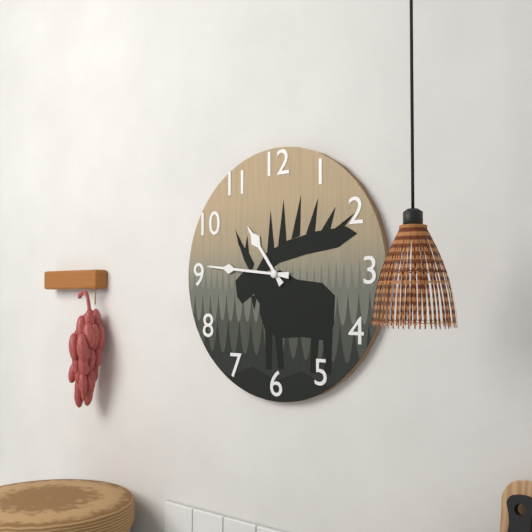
10:46
